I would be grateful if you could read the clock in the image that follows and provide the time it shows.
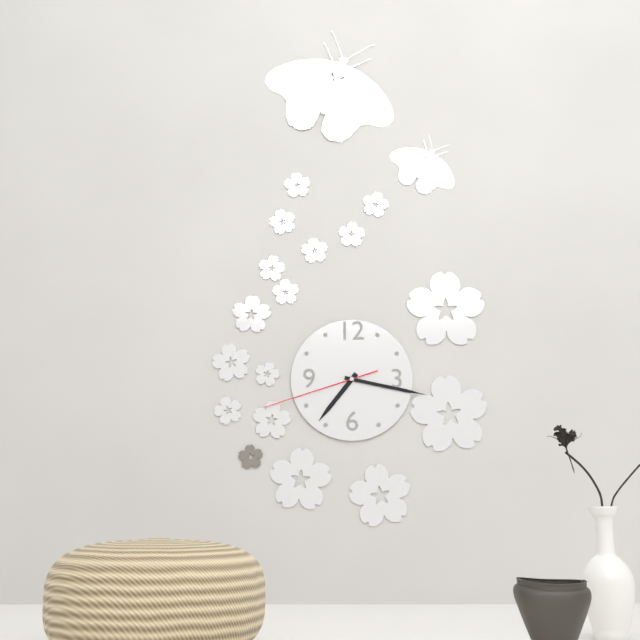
7:17:42
